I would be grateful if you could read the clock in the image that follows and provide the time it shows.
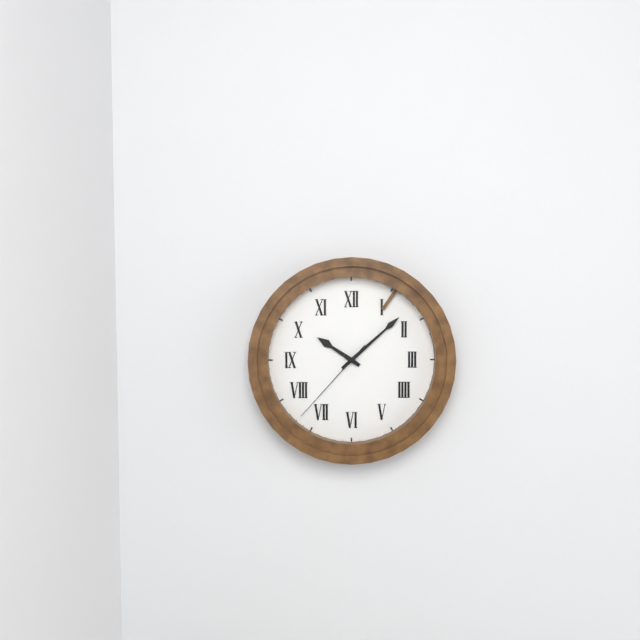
10:08:37
